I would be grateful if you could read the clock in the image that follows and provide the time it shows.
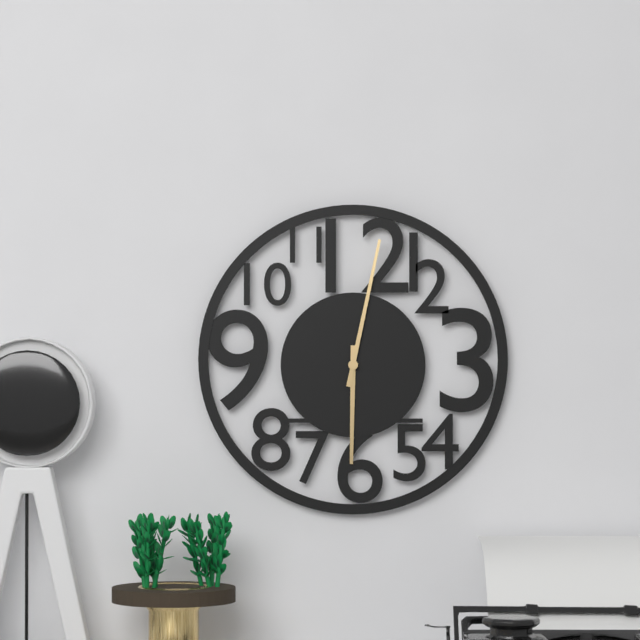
6:02
